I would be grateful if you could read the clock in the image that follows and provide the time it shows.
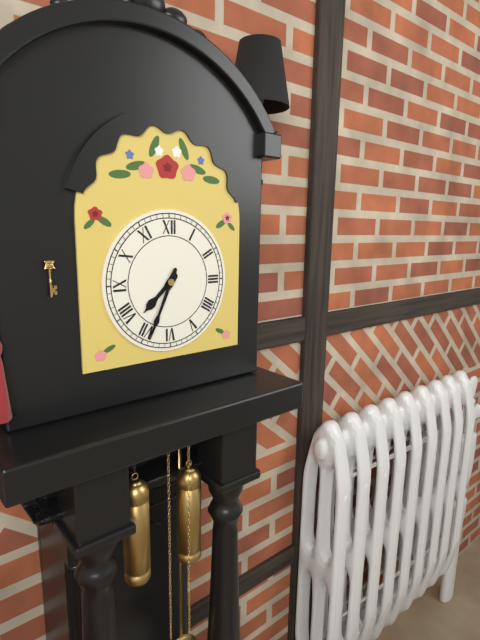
7:34
